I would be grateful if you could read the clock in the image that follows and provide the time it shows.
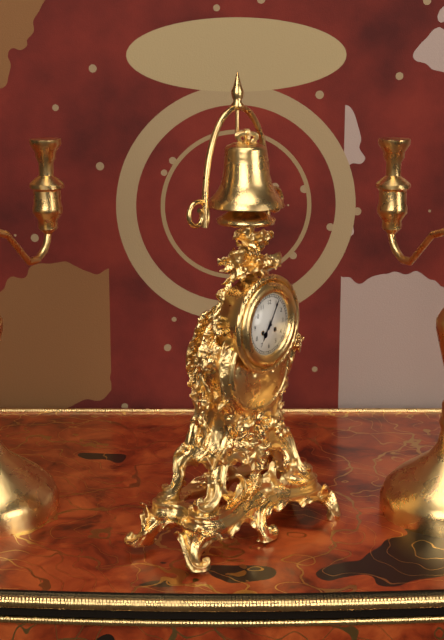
7:05
